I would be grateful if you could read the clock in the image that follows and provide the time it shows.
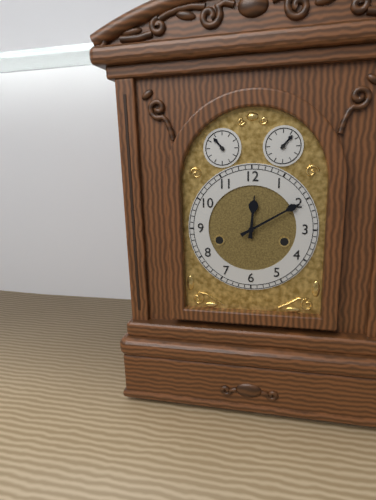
12:10
